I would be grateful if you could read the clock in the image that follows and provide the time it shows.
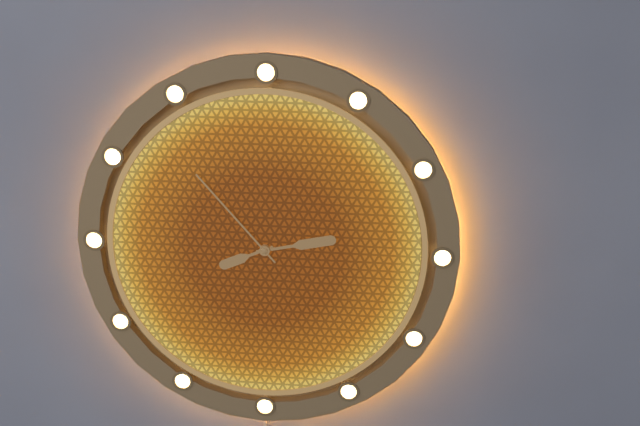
8:13:53
